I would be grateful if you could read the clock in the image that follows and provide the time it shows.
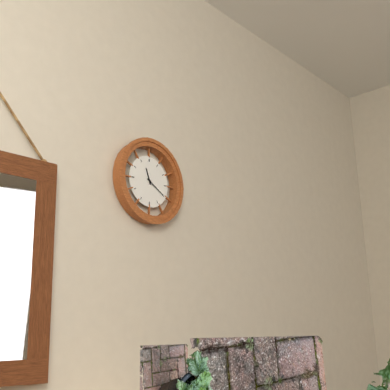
11:20
